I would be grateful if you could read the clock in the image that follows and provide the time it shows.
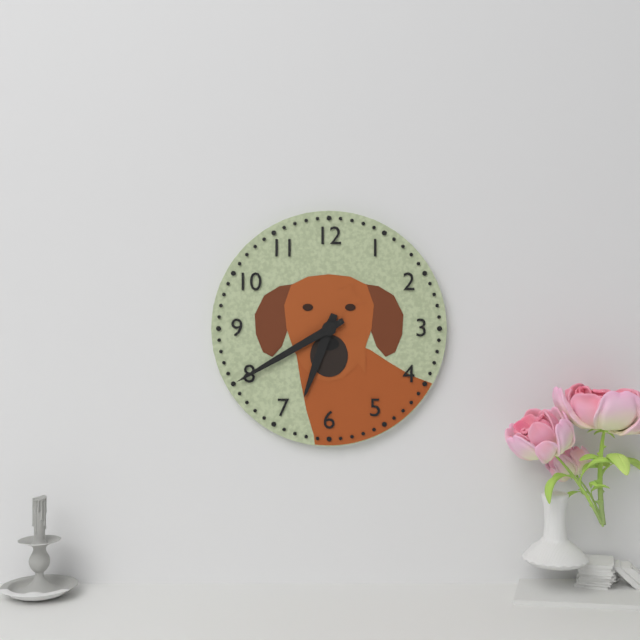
6:40
